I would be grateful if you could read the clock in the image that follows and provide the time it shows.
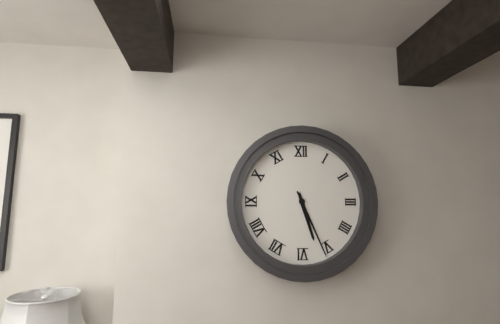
5:26
